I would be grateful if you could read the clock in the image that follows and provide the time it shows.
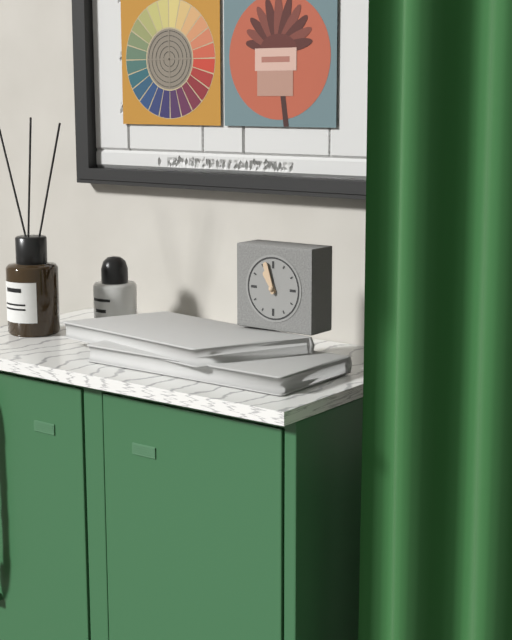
10:57
